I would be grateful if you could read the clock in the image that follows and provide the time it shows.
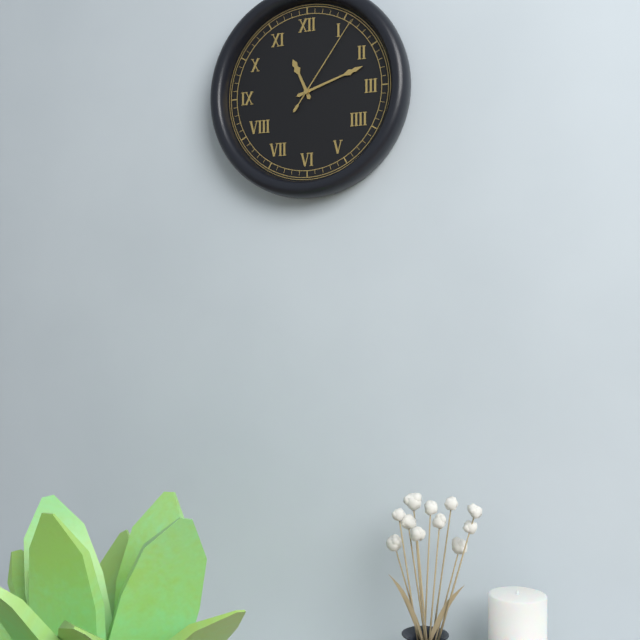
11:12:06
